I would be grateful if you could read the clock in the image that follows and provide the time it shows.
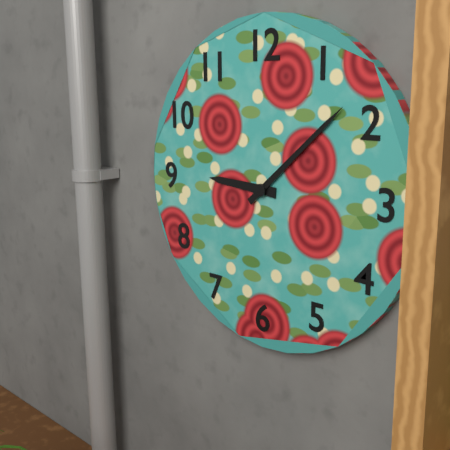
9:08
